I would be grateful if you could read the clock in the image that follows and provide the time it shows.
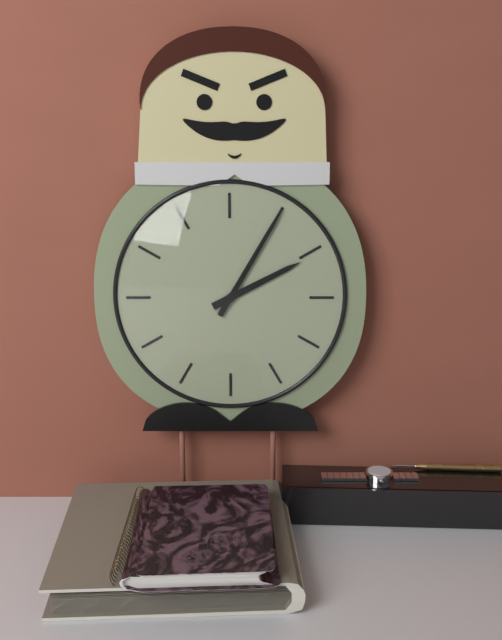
2:05
